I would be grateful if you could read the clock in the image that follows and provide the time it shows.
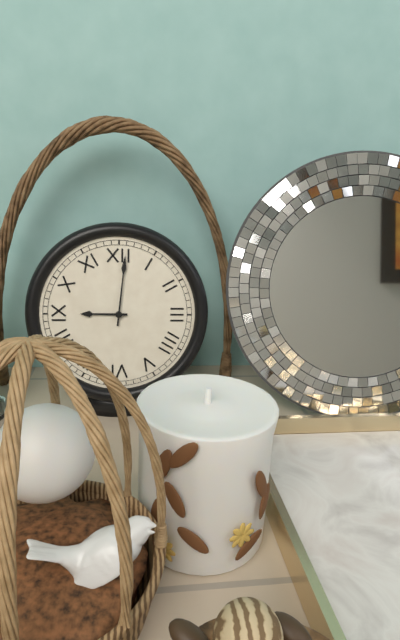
9:01
